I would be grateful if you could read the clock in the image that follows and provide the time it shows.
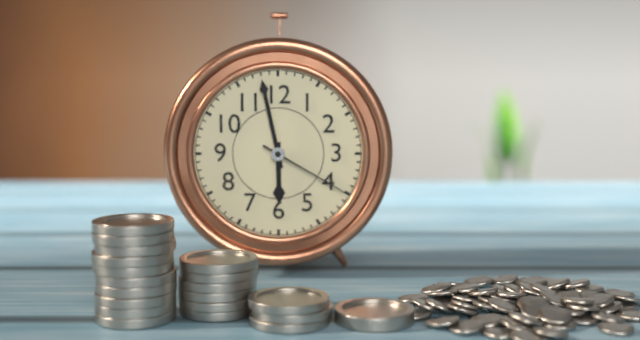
5:58:20
